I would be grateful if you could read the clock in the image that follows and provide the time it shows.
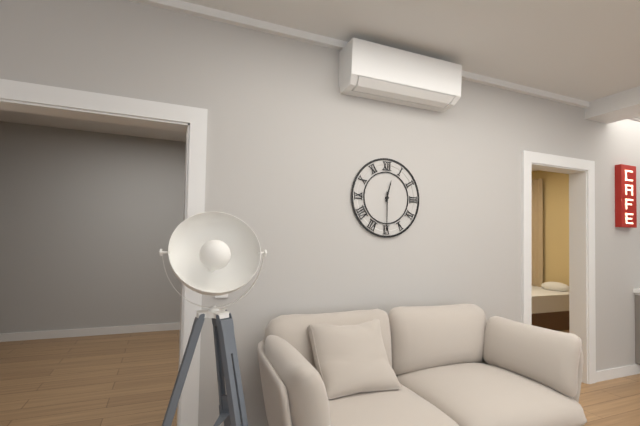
12:30
